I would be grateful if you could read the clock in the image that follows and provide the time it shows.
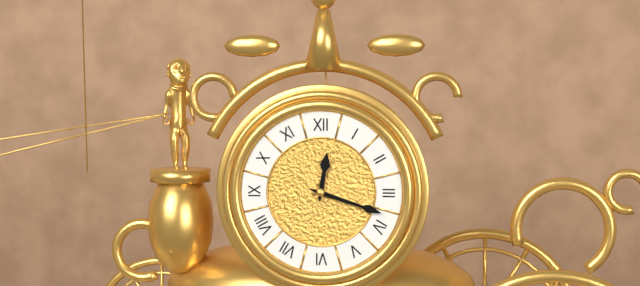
12:18
